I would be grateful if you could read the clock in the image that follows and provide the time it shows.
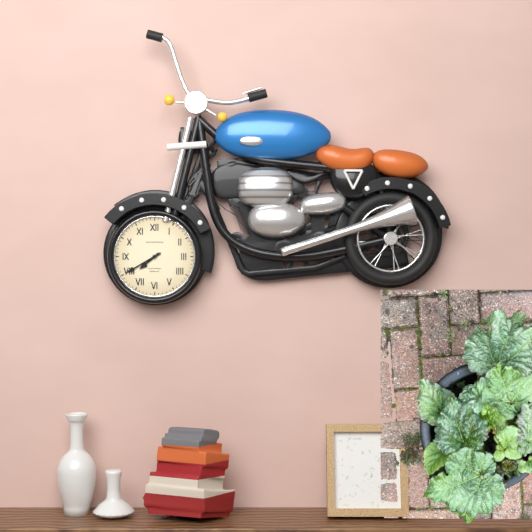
7:40
